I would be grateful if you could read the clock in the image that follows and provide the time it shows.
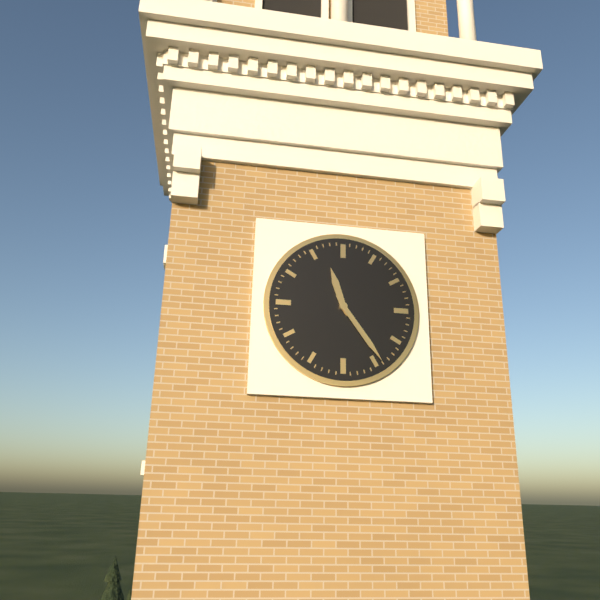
11:24
